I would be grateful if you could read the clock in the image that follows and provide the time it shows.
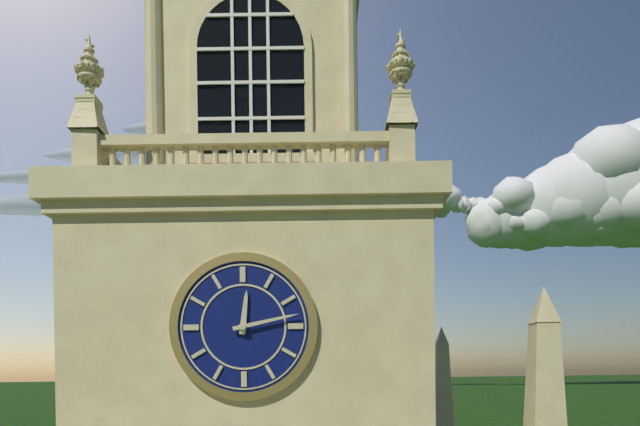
12:13
